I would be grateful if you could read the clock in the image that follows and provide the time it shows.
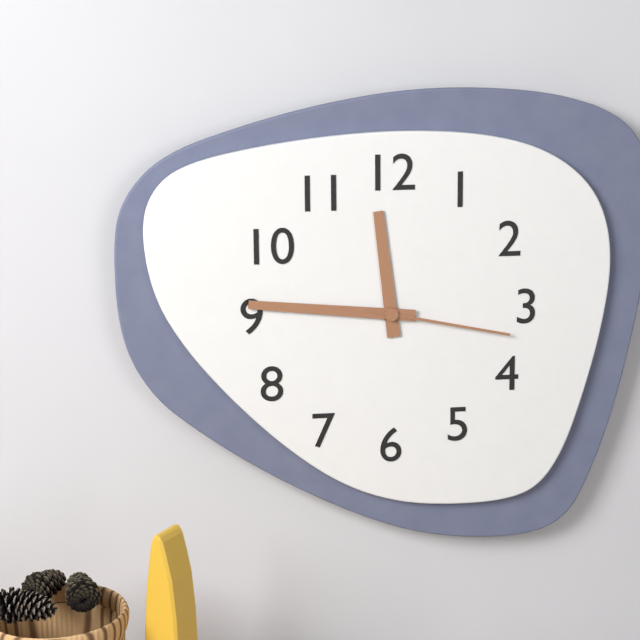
11:46:17
